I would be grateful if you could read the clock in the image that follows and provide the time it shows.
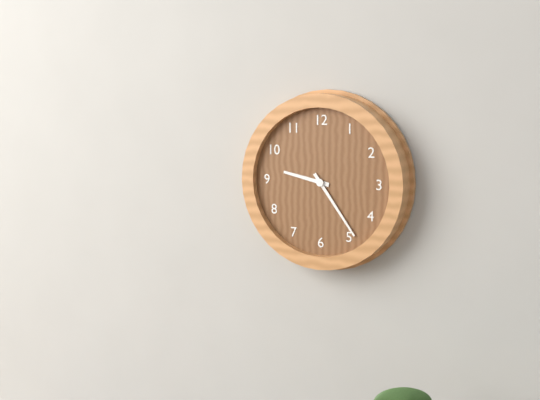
9:24
